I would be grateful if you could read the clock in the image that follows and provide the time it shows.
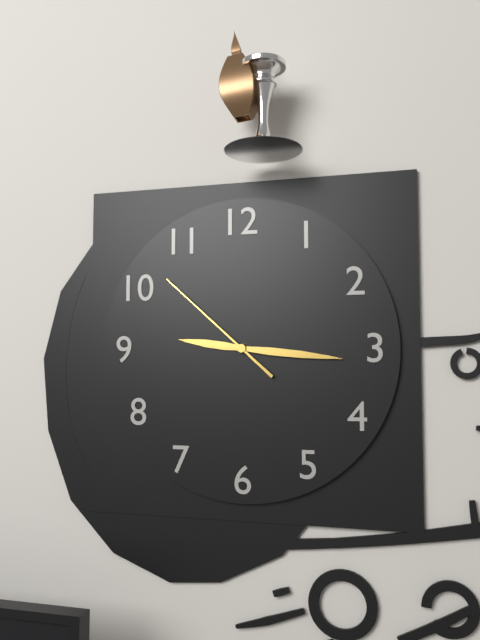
9:16:52
